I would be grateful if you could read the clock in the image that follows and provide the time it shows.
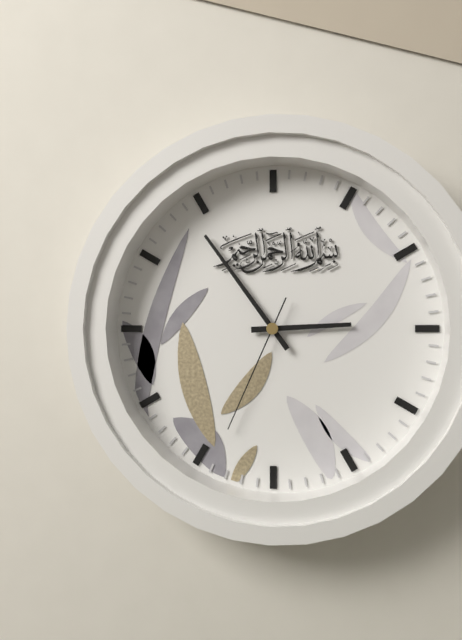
2:54:34
